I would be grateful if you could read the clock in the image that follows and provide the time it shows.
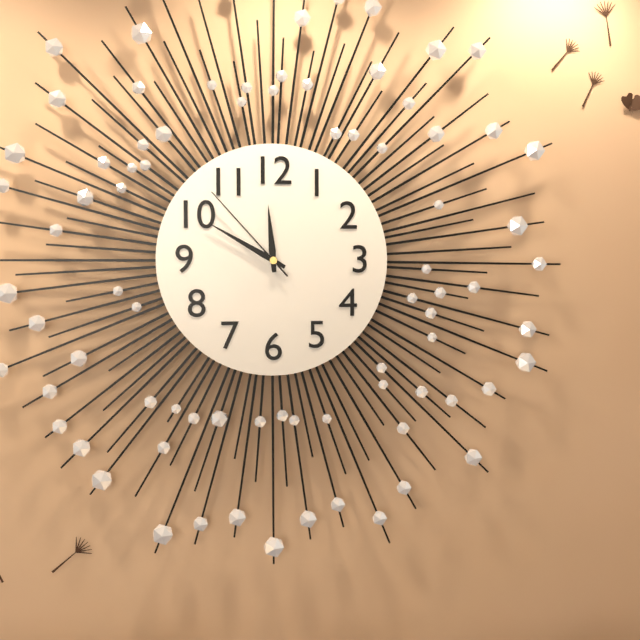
11:50:53
